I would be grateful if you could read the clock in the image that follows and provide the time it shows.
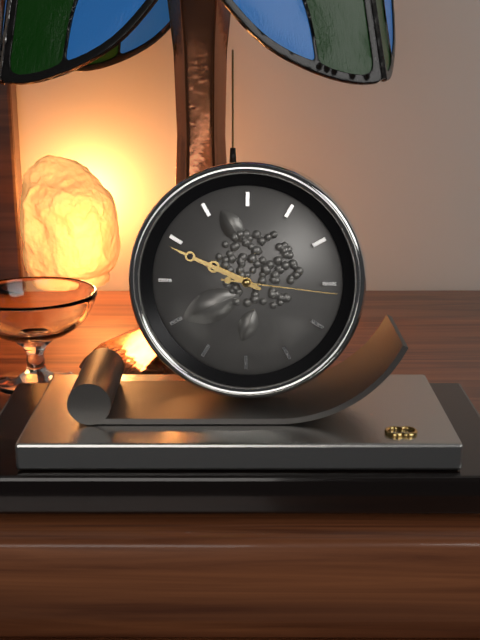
9:49:16
